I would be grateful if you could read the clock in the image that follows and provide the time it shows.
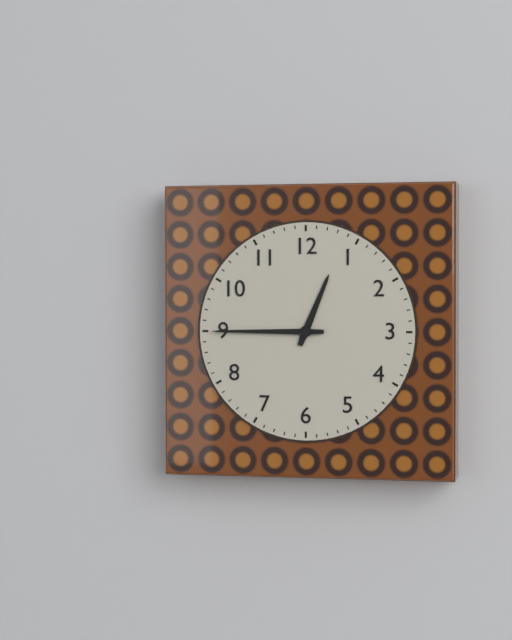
12:45
